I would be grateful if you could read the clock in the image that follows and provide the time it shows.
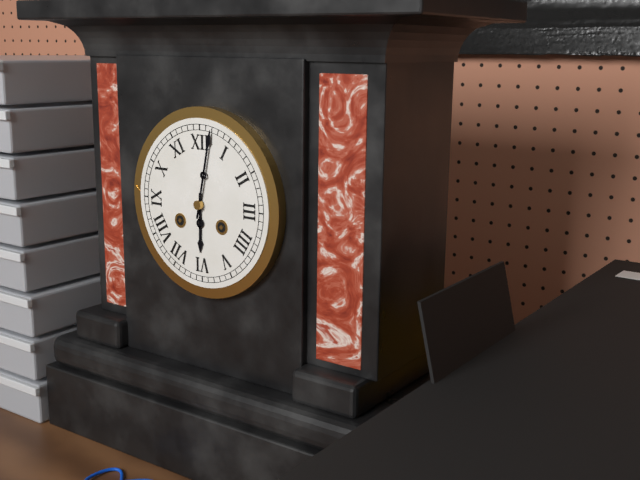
6:02
